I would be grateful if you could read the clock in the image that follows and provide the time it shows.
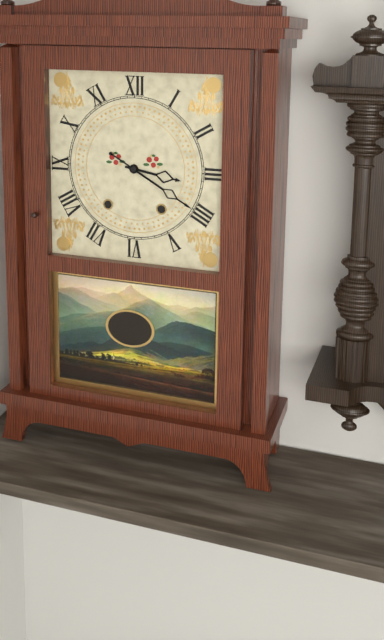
3:20
